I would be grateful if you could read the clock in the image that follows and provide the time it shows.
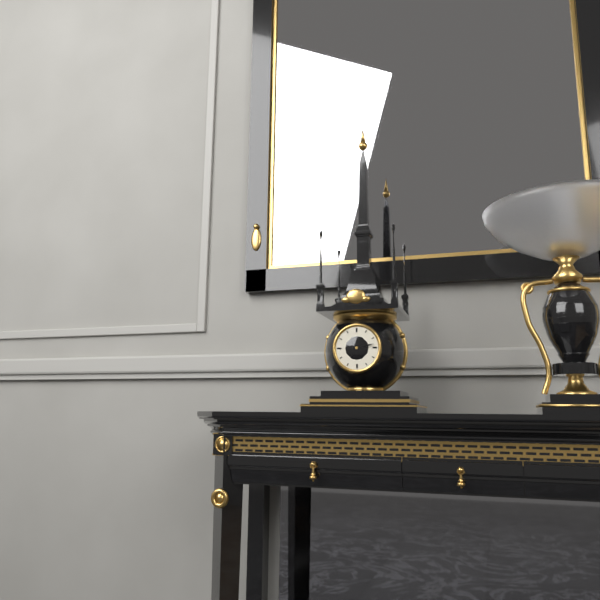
7:13
